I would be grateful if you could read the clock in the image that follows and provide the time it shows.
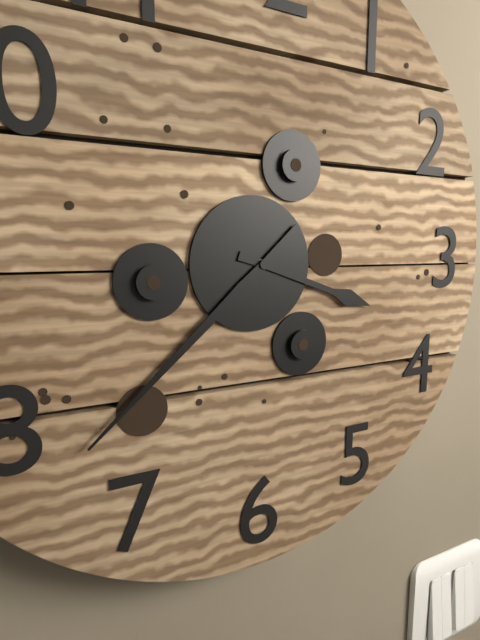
3:38
